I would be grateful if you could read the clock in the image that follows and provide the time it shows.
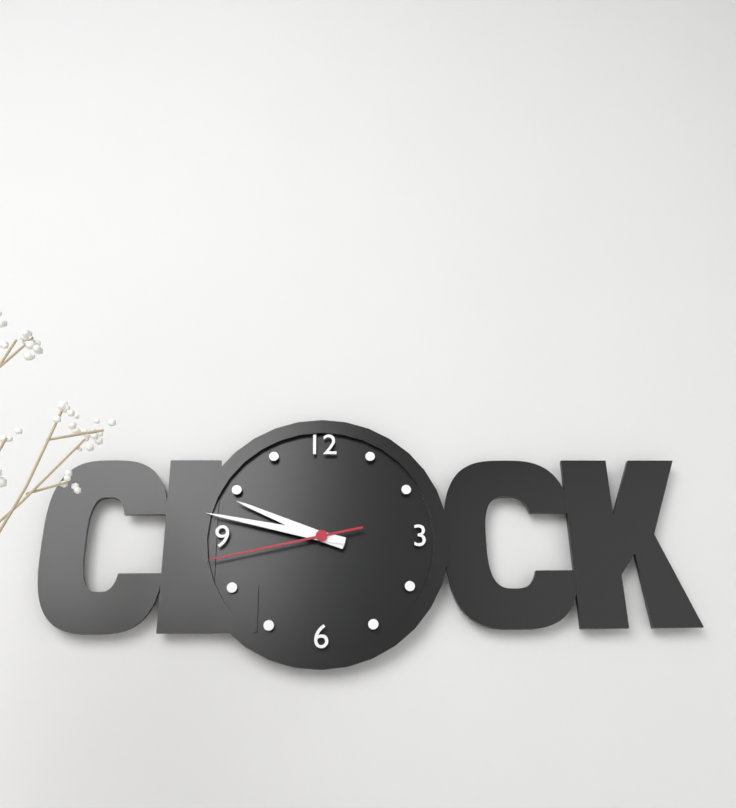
9:47:43
